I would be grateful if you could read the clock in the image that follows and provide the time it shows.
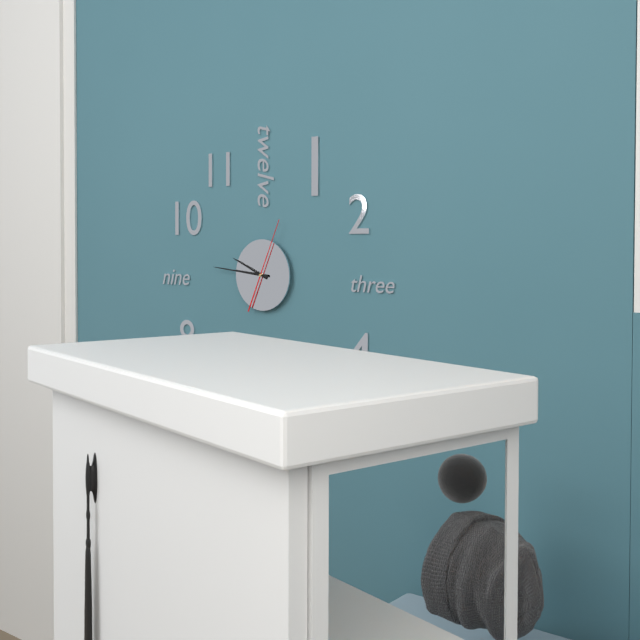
9:46:04
